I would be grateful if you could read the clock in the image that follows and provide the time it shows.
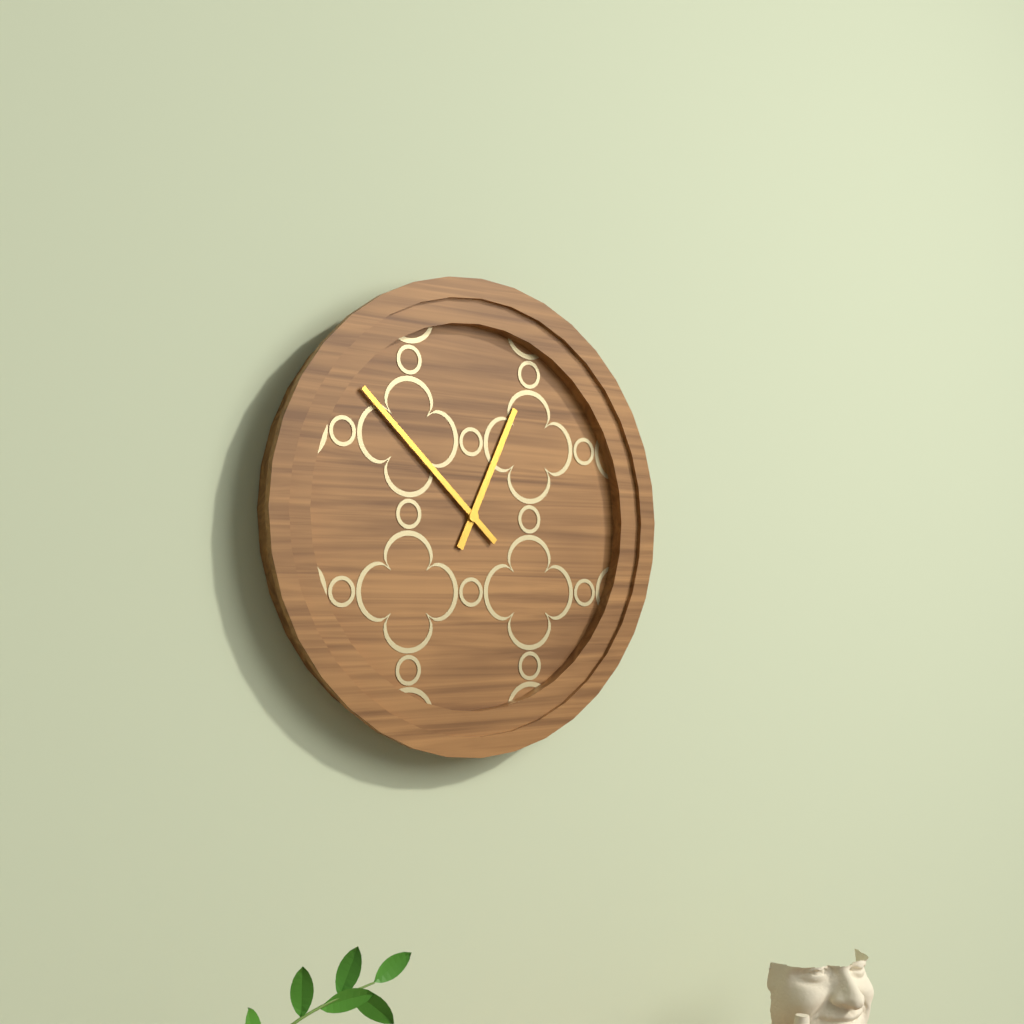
12:52
